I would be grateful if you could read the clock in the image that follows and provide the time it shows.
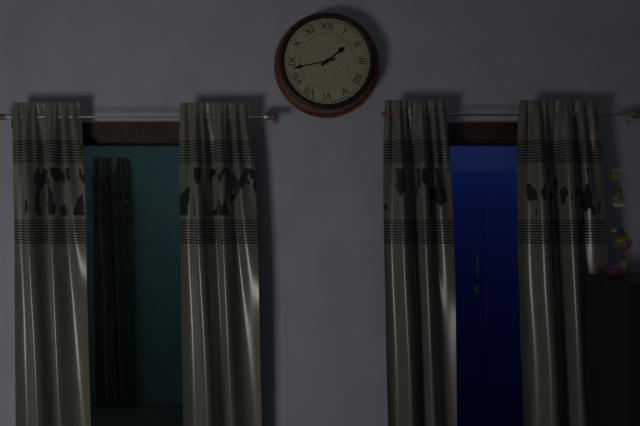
1:43
